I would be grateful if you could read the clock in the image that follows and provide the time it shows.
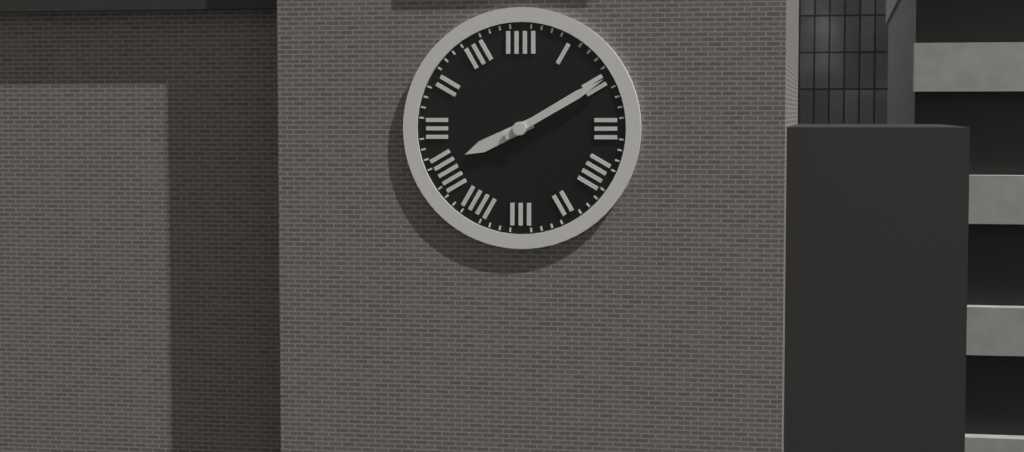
8:10
